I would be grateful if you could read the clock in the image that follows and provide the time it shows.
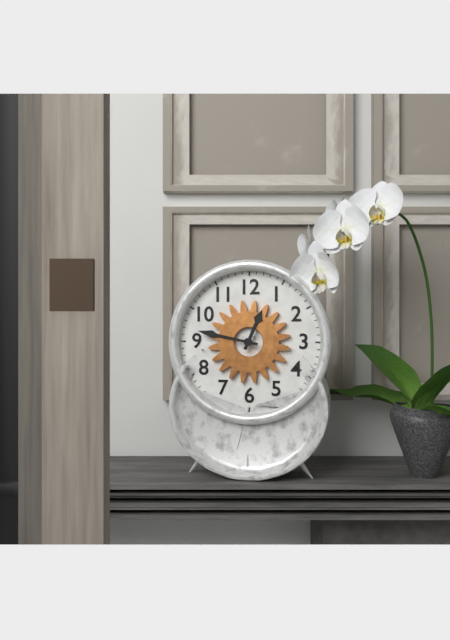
12:47
